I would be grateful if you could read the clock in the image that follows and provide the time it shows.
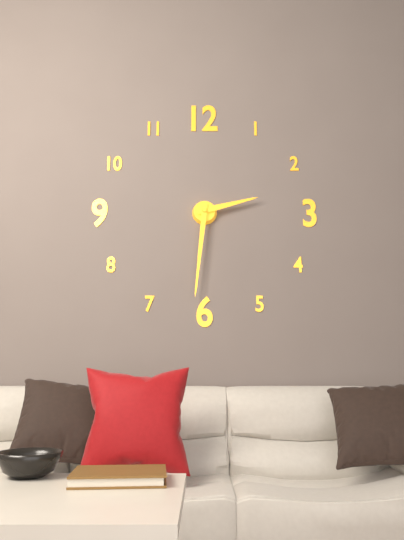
2:31
